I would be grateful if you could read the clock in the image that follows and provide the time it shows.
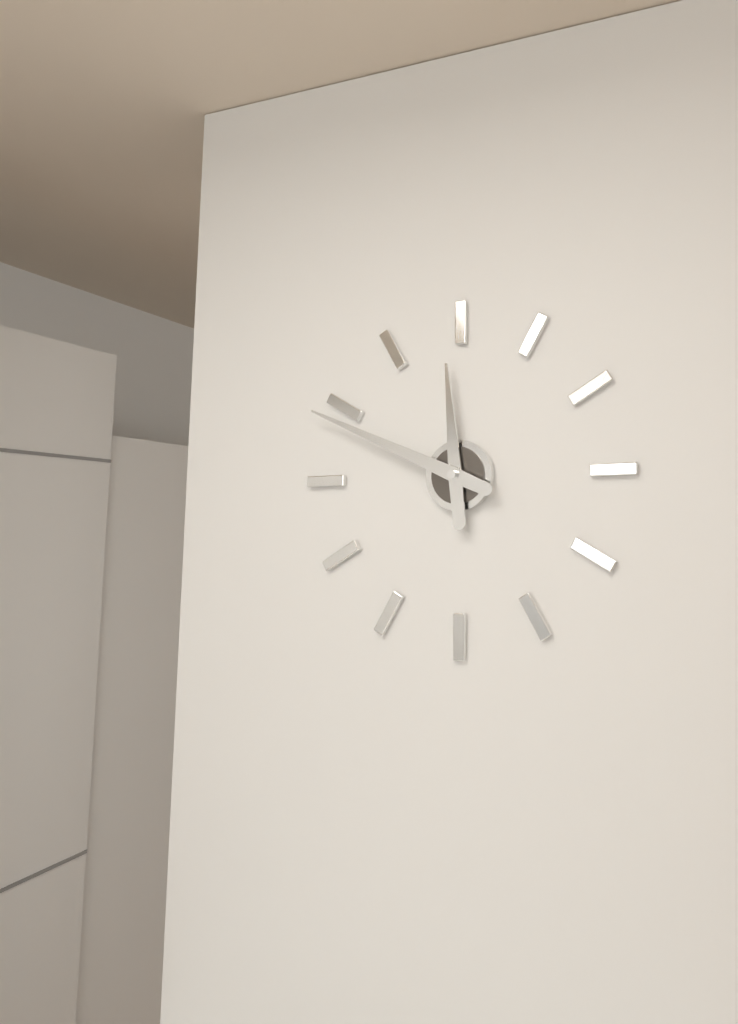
11:49
